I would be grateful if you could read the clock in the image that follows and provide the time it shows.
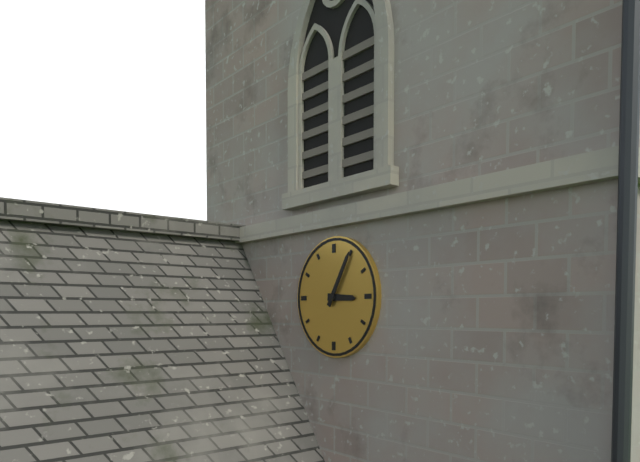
3:05
